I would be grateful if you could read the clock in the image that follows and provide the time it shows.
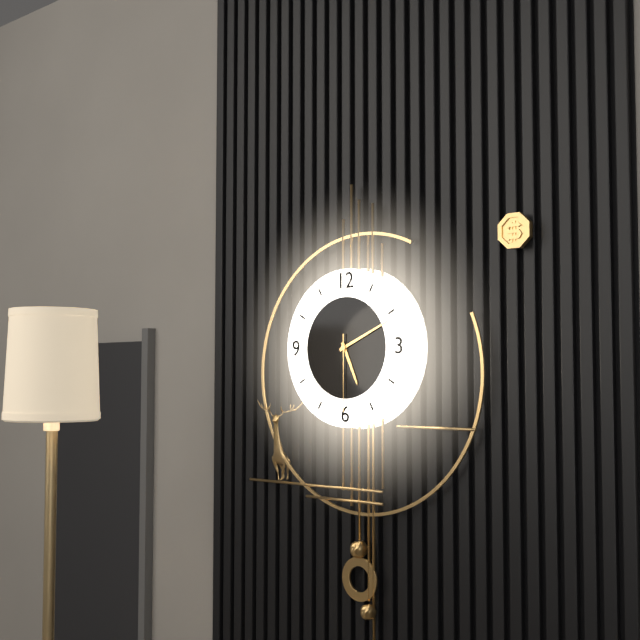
5:11:30
